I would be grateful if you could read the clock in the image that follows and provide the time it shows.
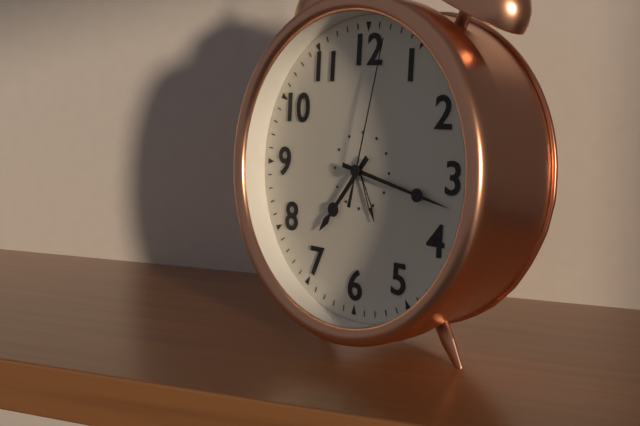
7:17:02
